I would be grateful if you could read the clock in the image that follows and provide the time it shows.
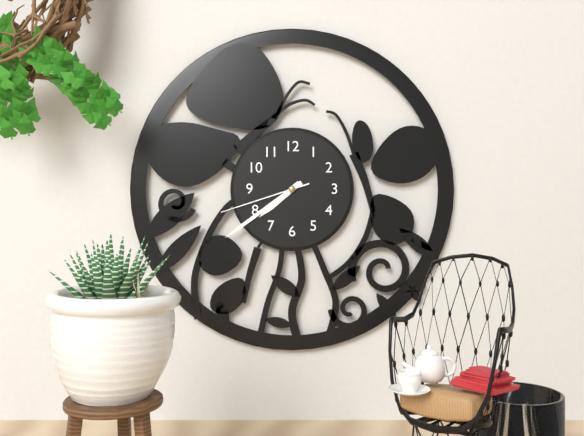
7:39:42
